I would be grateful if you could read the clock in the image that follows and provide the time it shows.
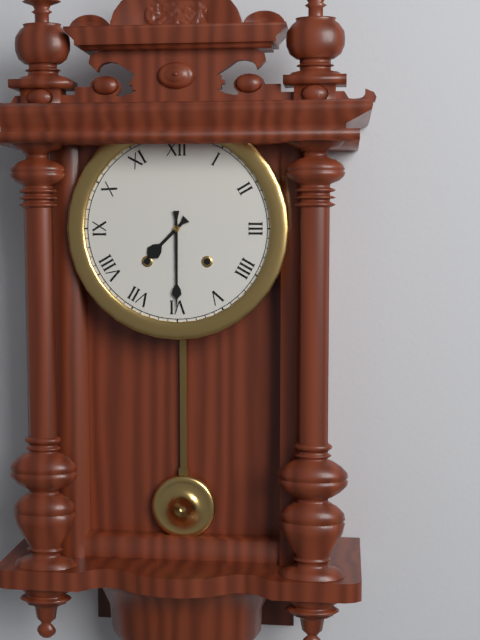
7:30
